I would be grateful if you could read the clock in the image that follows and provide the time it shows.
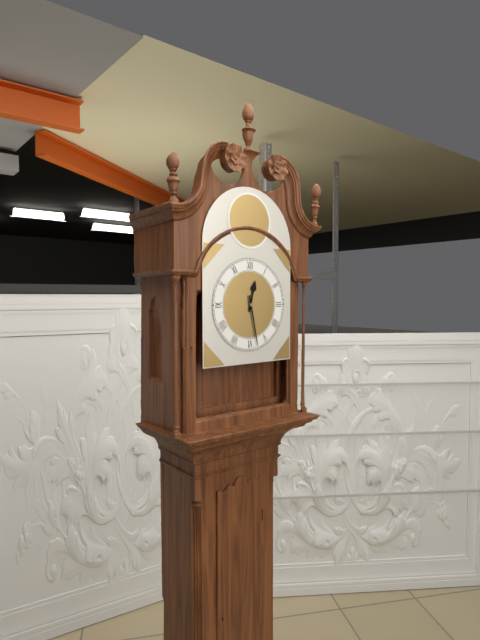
12:28
